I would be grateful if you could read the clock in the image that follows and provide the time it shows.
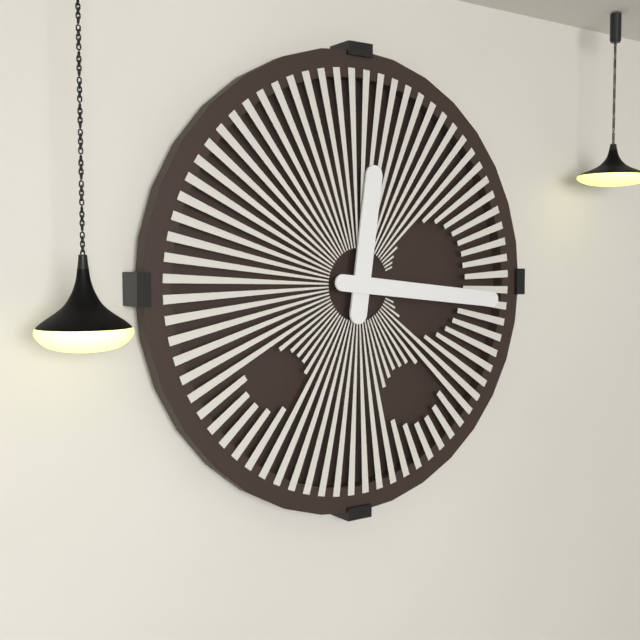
12:16
